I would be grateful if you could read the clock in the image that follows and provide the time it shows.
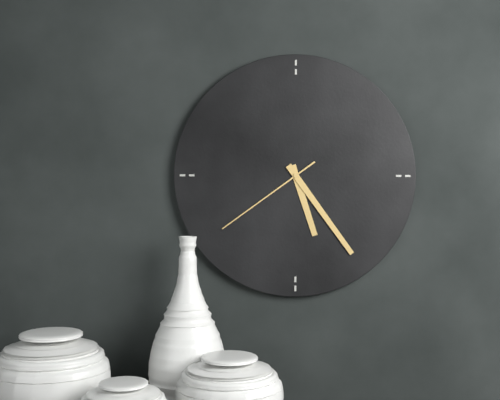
5:24:39
